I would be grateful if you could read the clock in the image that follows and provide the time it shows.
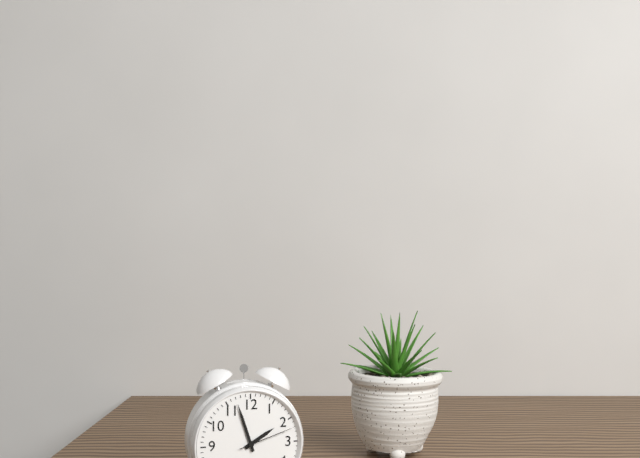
1:57:12
